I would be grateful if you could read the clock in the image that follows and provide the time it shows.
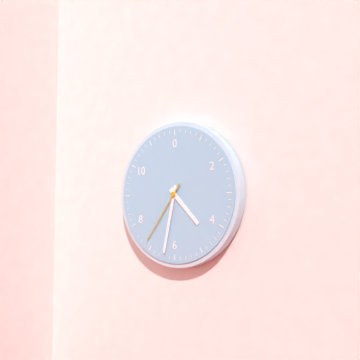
4:32:36
